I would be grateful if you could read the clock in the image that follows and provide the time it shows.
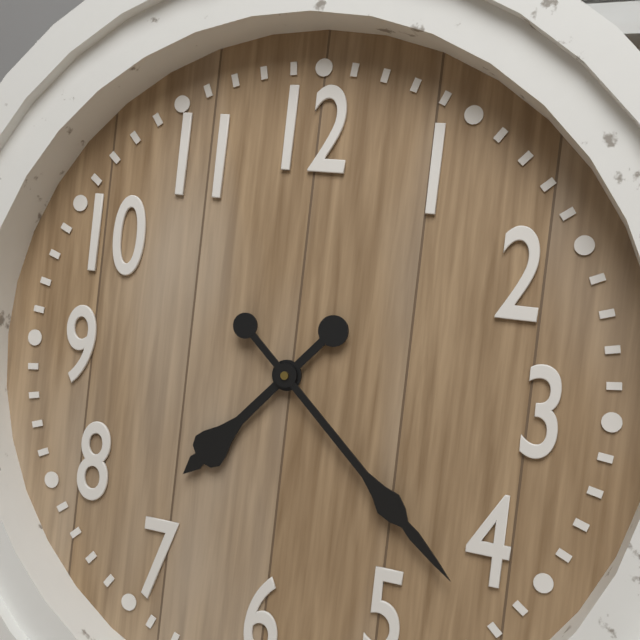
7:22
